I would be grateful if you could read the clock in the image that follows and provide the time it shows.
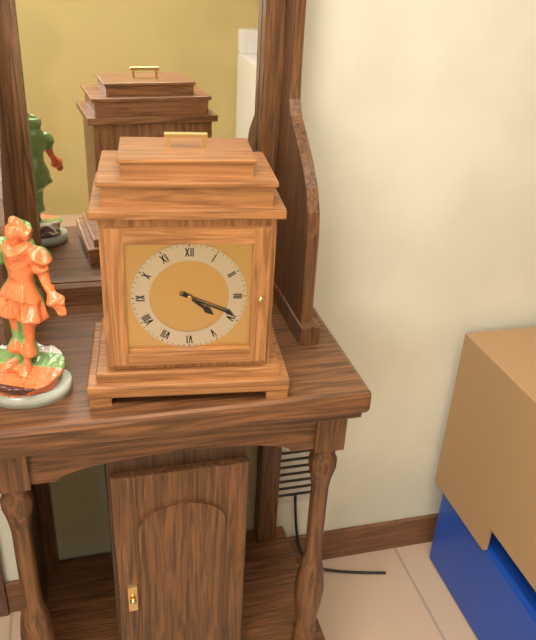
4:19
